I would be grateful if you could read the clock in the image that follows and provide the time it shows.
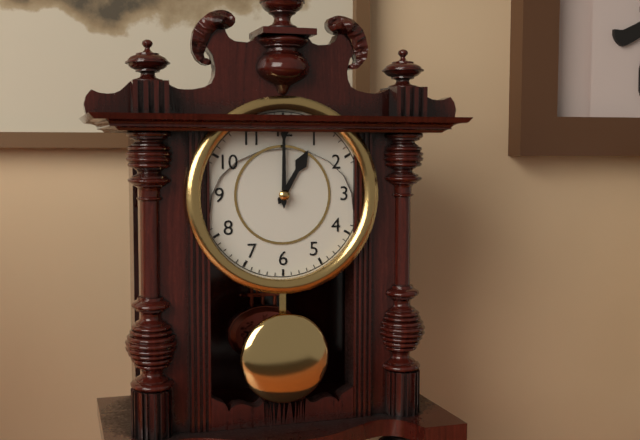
1:00
